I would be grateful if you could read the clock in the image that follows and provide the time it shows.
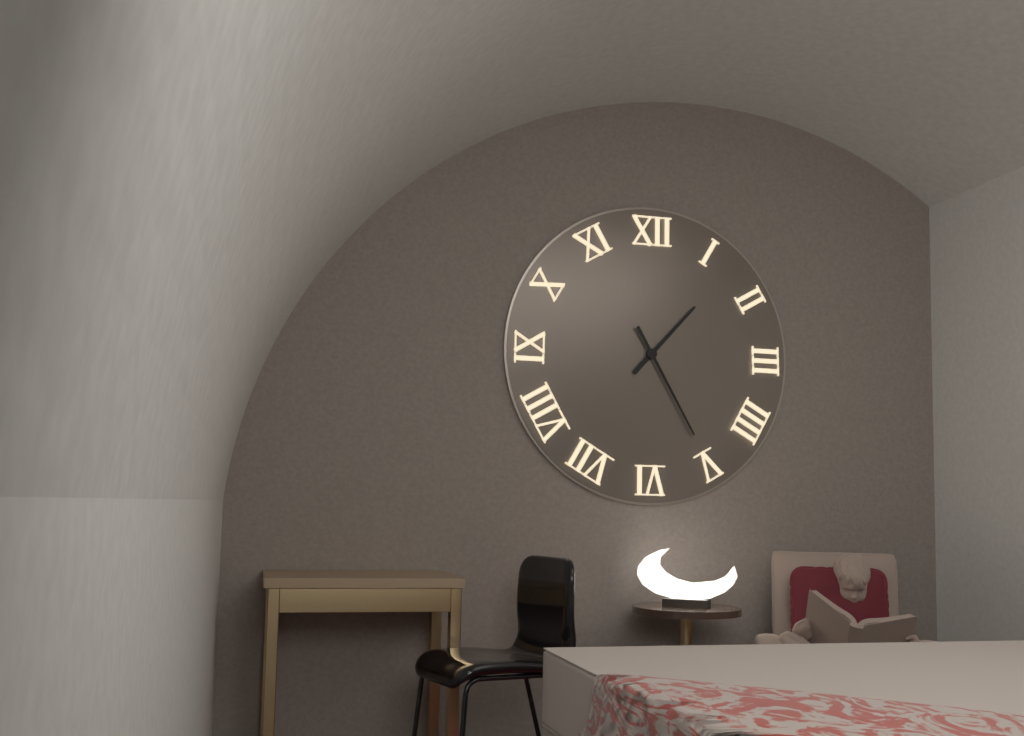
1:25
